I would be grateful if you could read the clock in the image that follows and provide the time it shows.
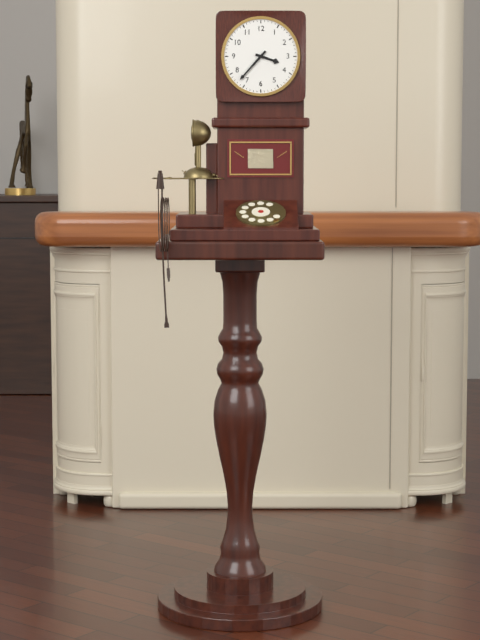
3:37
